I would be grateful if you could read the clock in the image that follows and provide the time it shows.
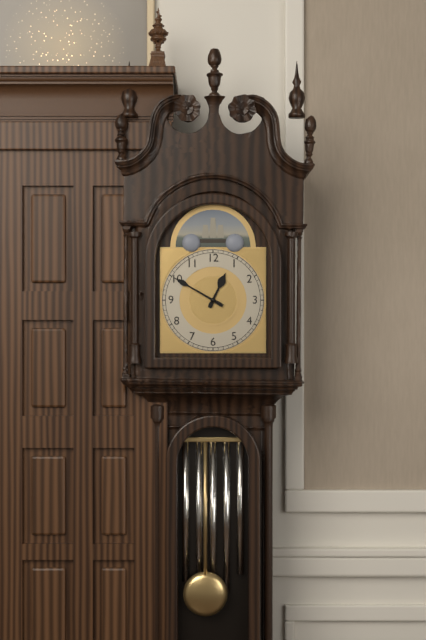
12:50
